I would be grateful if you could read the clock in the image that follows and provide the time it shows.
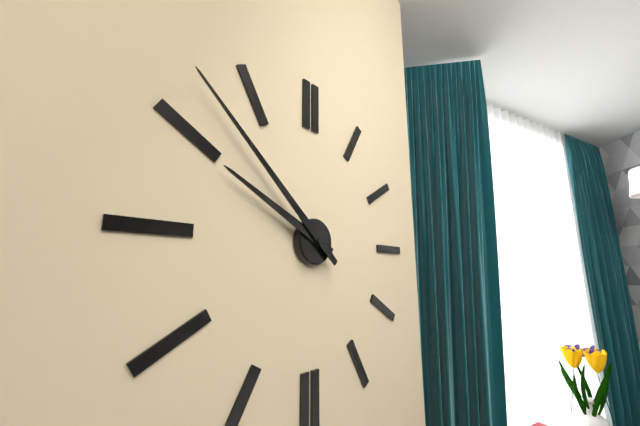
9:52
